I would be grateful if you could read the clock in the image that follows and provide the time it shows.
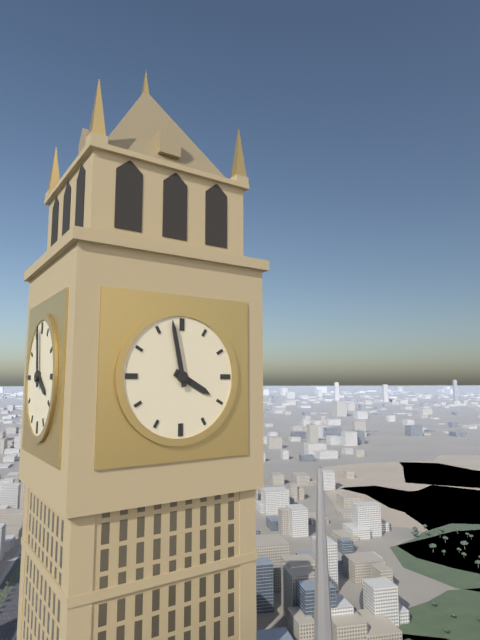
3:58
